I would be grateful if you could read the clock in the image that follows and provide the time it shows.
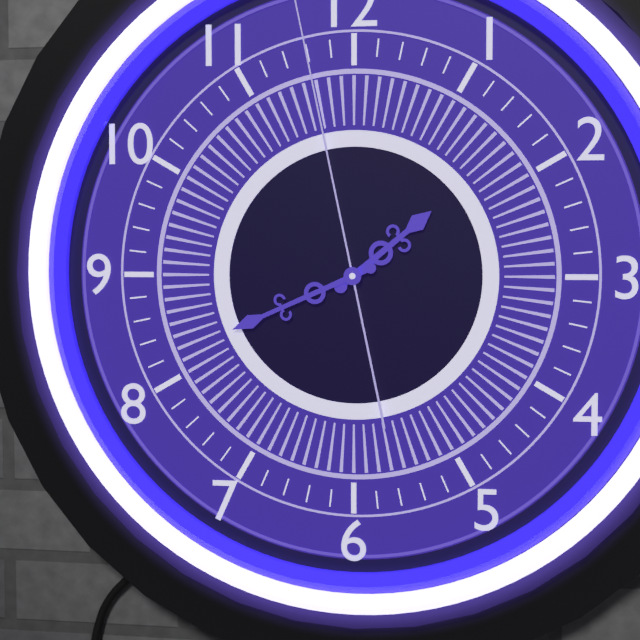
1:41
